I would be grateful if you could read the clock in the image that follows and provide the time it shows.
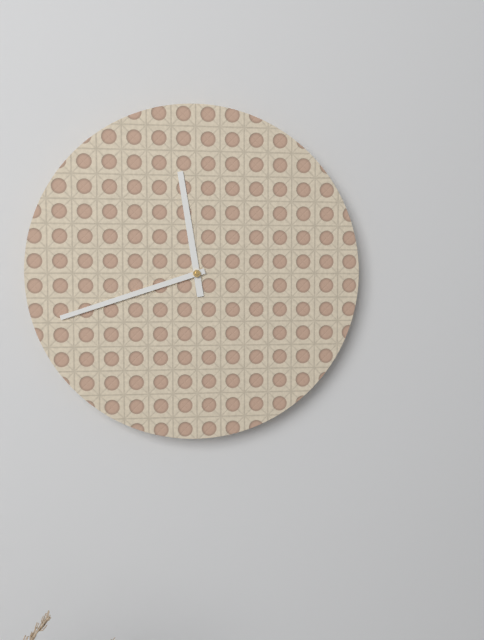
11:42
